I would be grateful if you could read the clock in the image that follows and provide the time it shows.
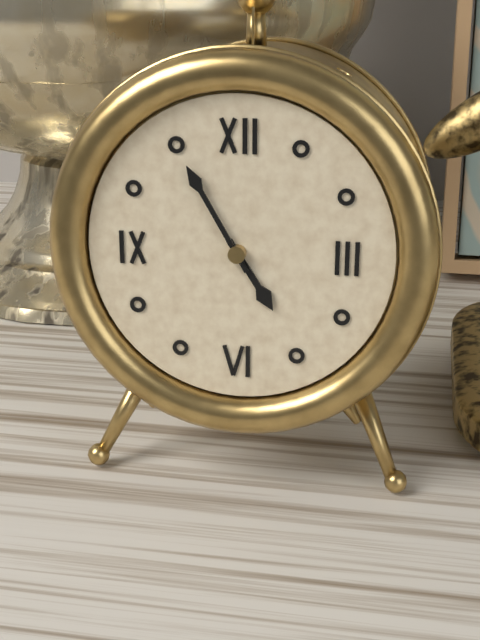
4:55
